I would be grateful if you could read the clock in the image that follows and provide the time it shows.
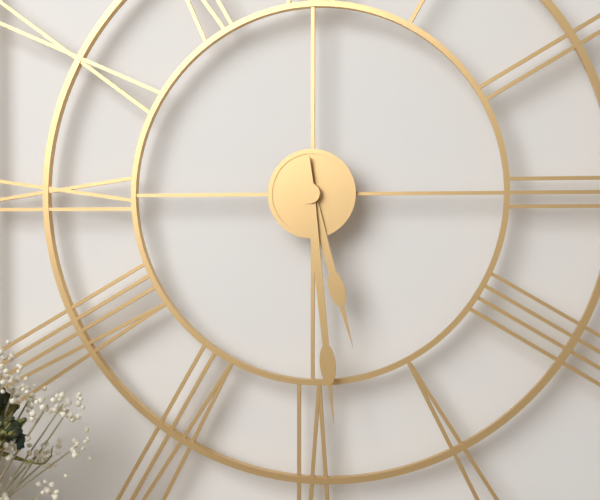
5:29
